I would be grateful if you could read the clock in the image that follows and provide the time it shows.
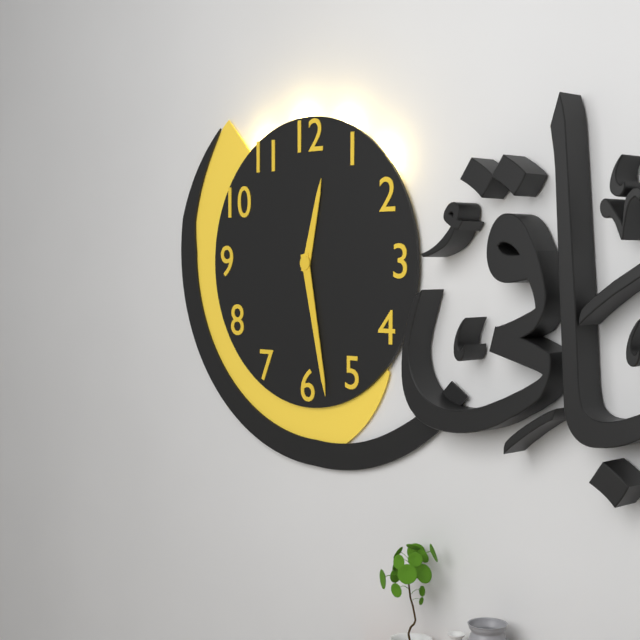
12:28
